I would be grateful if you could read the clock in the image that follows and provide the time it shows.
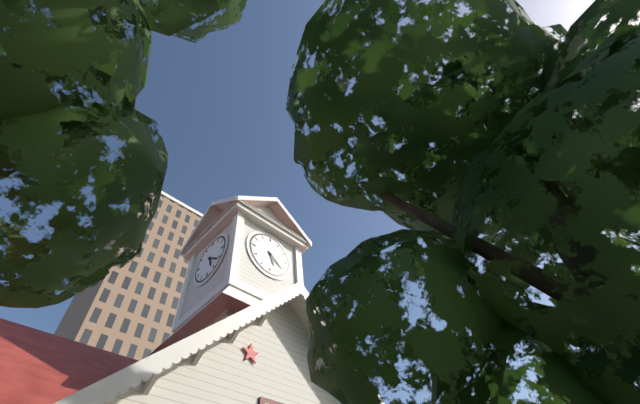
5:21
